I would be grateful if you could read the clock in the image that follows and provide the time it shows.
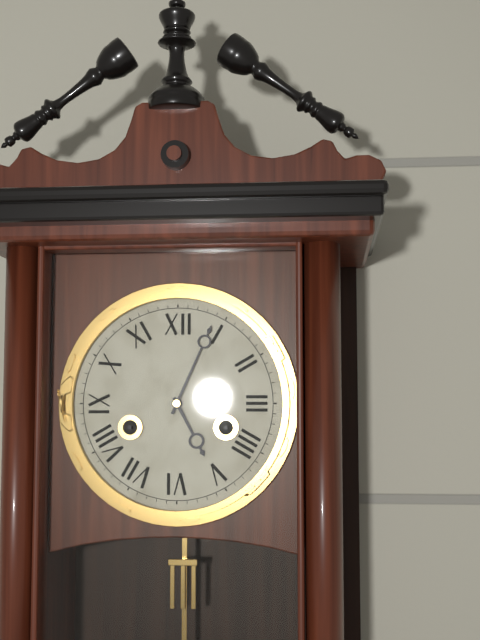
5:04
